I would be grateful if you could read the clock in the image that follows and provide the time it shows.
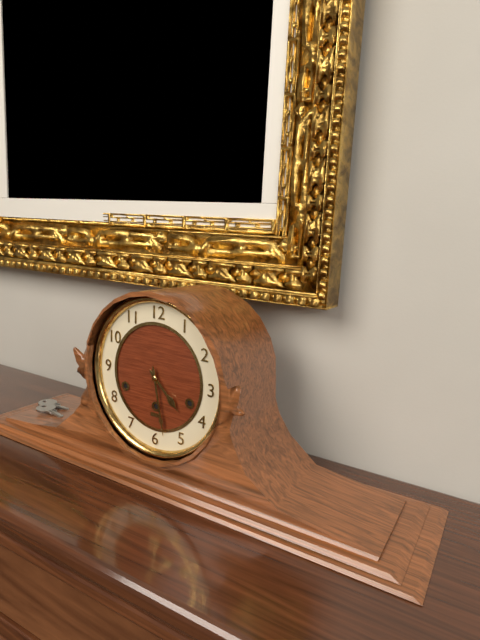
4:28
